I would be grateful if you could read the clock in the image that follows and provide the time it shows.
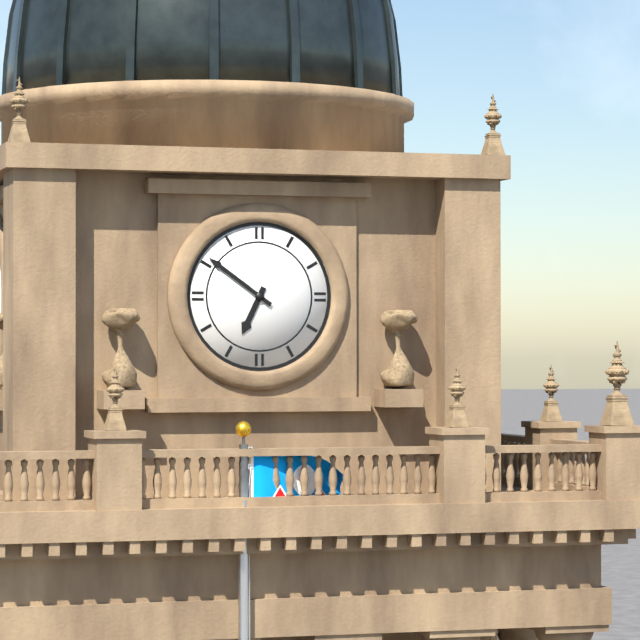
6:51
